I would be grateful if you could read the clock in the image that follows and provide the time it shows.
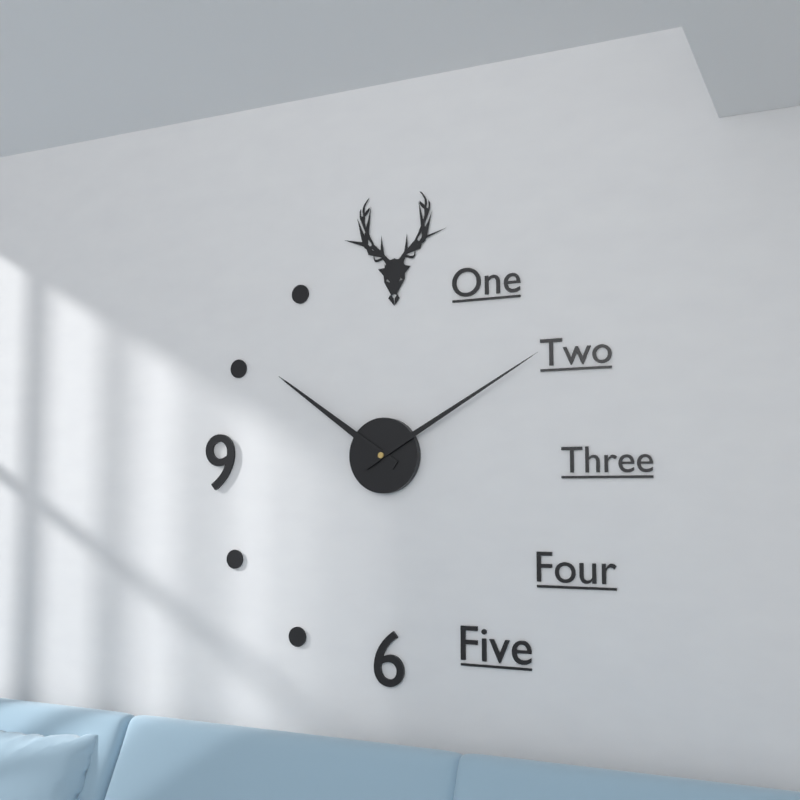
10:10
